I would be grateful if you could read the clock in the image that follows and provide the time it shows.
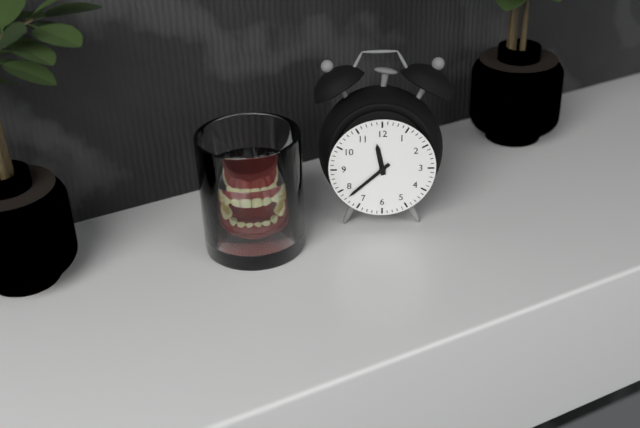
11:38
